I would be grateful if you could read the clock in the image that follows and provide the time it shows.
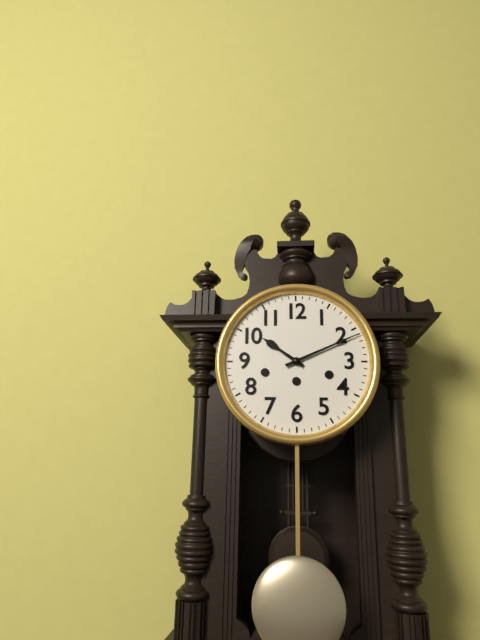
10:11
